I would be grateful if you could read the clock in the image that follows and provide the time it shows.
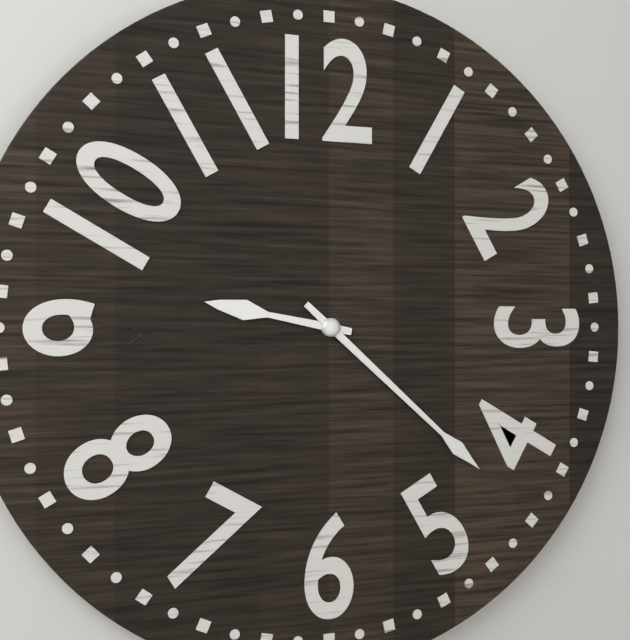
9:22
